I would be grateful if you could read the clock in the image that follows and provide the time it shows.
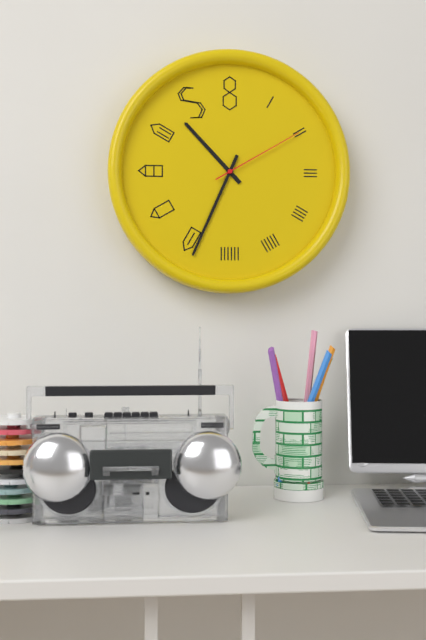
10:34:10
